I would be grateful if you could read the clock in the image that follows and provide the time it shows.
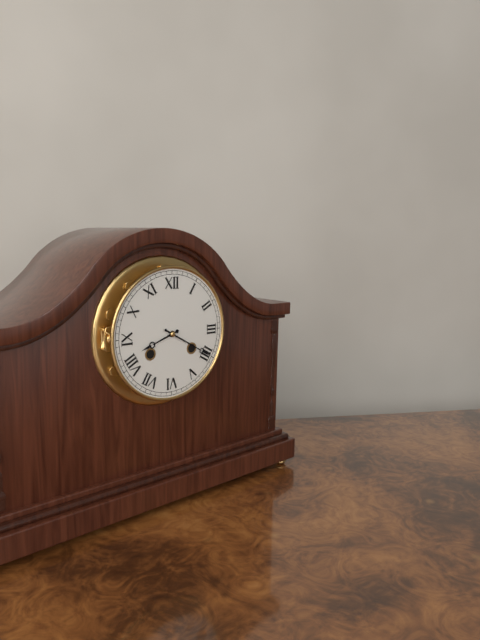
8:20
